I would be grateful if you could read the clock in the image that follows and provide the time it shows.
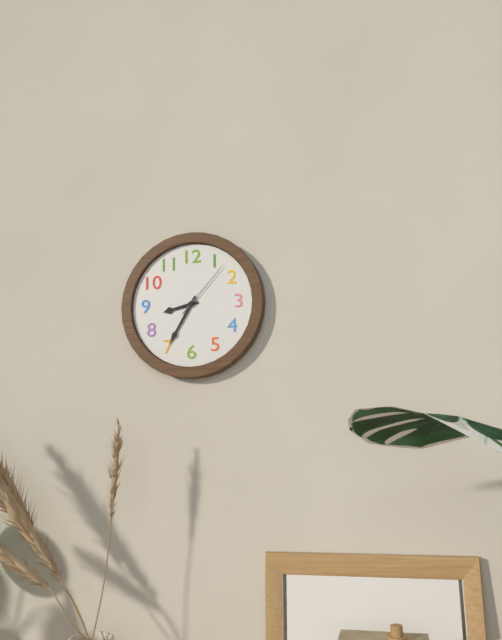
8:35:07
